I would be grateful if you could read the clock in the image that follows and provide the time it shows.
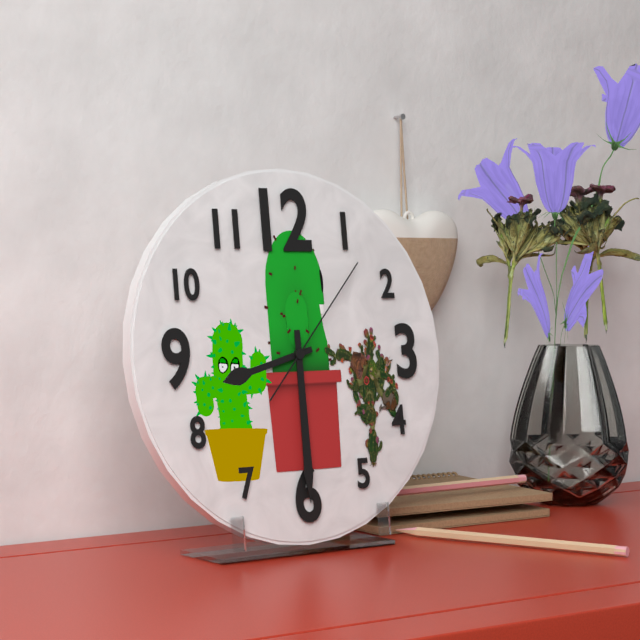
8:30:07
